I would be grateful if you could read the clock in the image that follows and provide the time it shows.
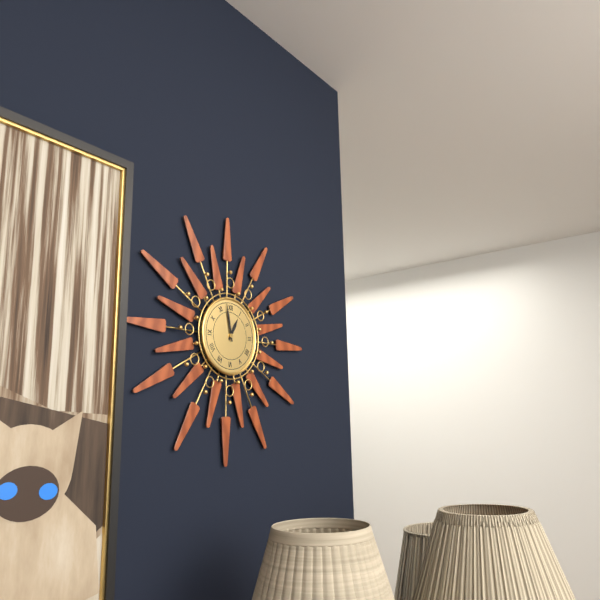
12:58
